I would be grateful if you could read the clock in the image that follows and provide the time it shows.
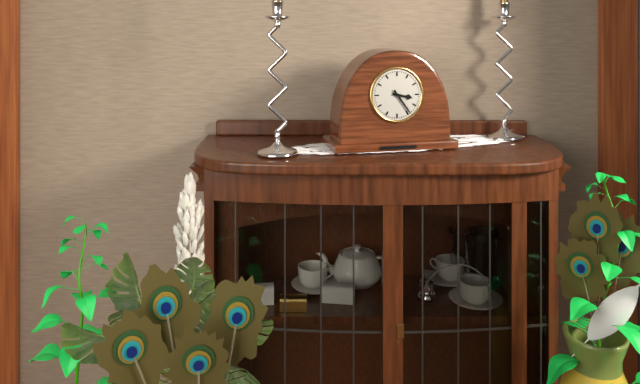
3:24
